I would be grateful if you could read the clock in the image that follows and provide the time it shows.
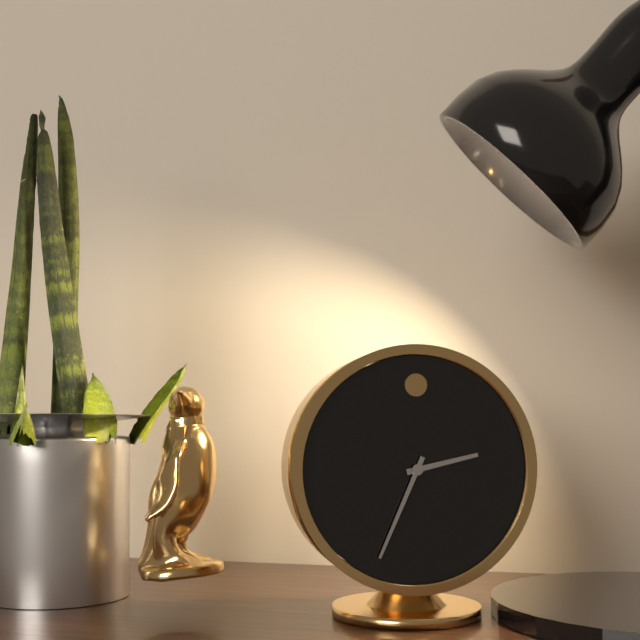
2:34
